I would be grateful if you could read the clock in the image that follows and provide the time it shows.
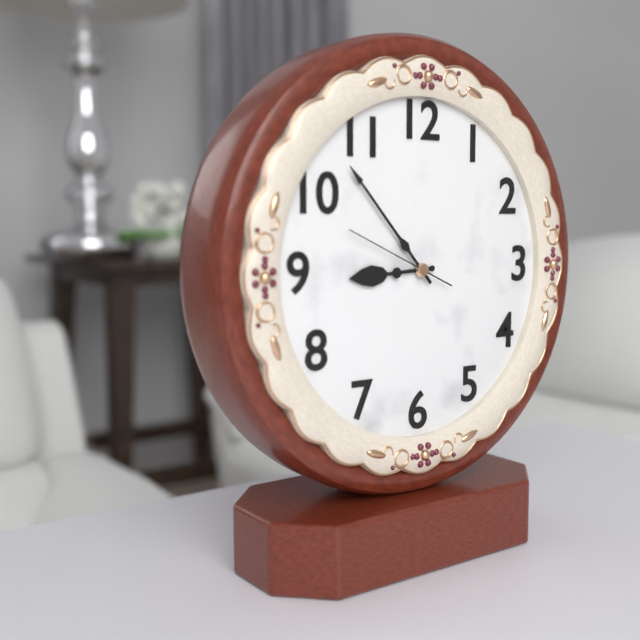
8:53:49
